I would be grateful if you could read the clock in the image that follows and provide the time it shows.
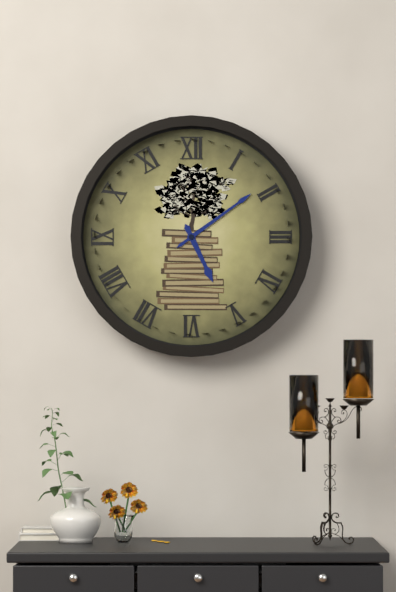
5:09
